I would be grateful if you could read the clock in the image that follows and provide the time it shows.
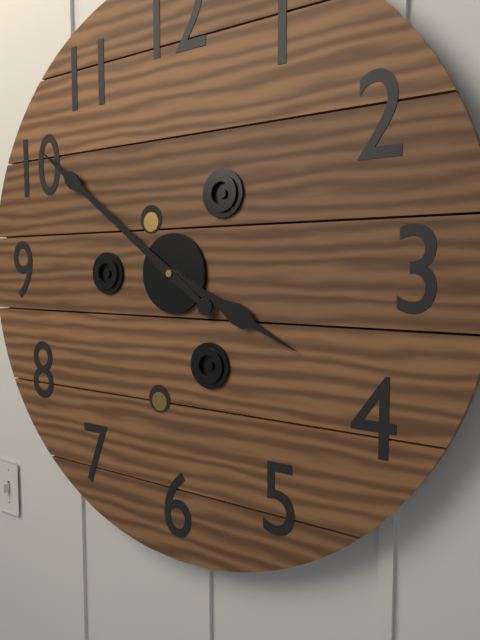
3:51
